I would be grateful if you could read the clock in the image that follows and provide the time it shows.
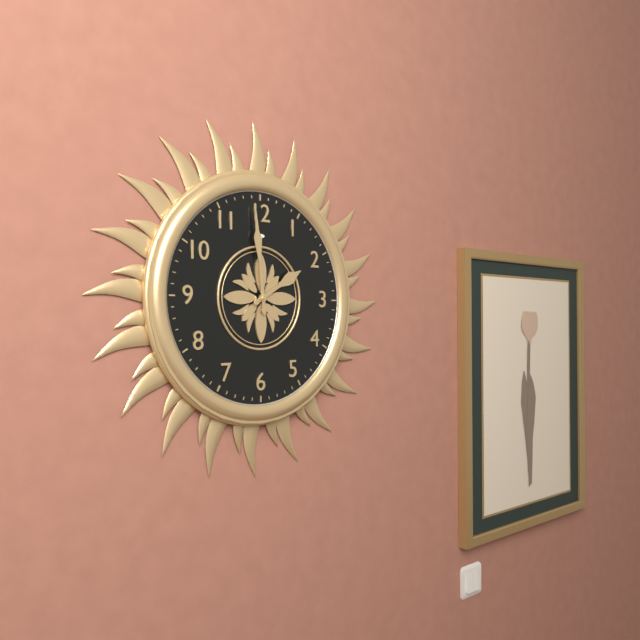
1:59
